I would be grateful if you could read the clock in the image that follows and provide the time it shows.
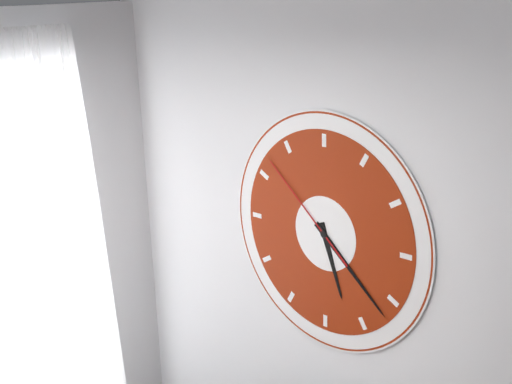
5:22:52
